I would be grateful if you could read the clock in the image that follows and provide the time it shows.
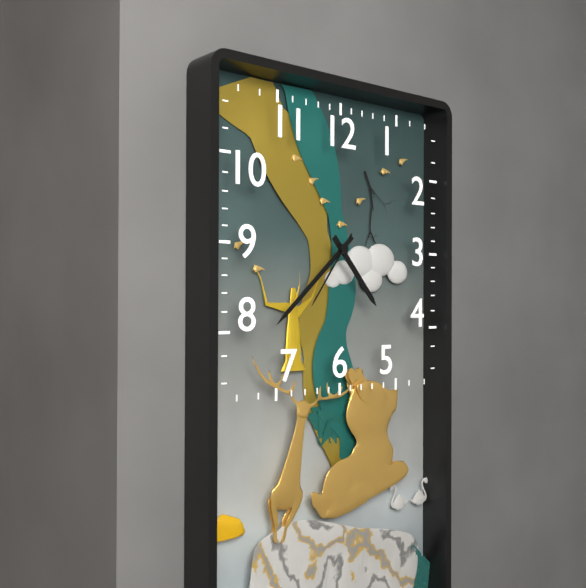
4:38:36
